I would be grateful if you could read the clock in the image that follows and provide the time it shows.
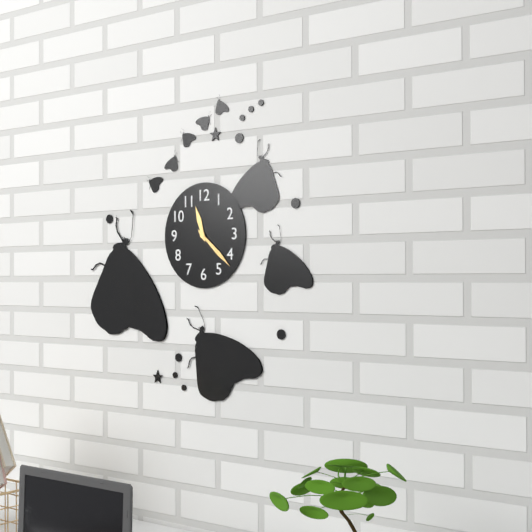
11:22
